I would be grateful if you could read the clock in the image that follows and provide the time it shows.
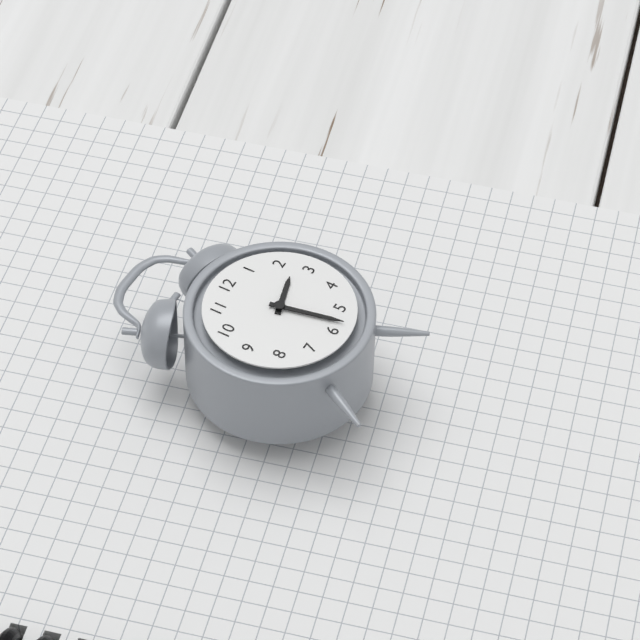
2:28
